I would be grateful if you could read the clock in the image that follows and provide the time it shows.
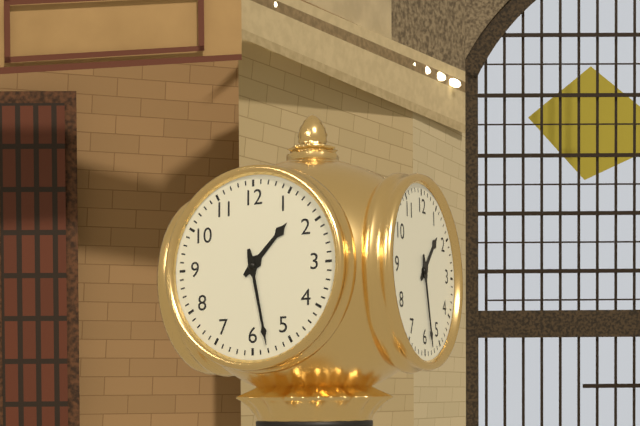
1:28
